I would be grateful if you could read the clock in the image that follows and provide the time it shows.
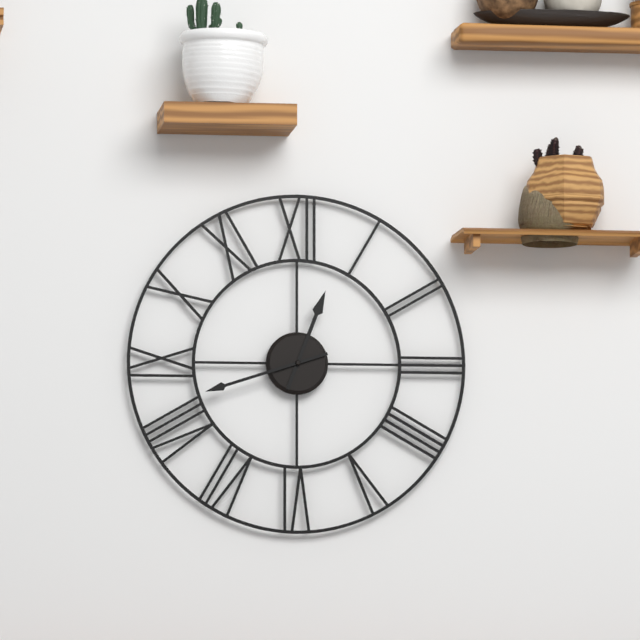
12:42
